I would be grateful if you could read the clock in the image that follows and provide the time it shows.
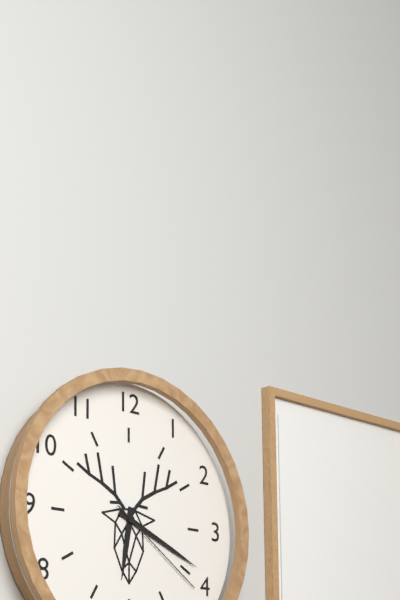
6:19:21
